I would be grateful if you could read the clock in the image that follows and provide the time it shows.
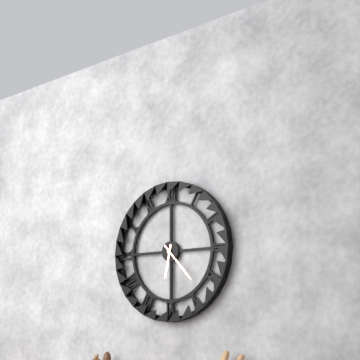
6:23
